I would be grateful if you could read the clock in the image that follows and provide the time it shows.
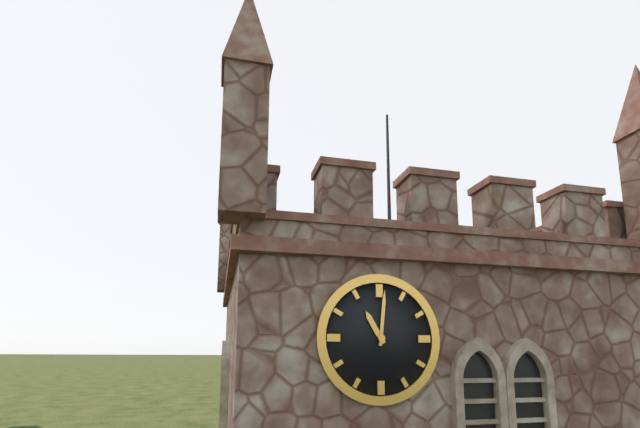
11:01
